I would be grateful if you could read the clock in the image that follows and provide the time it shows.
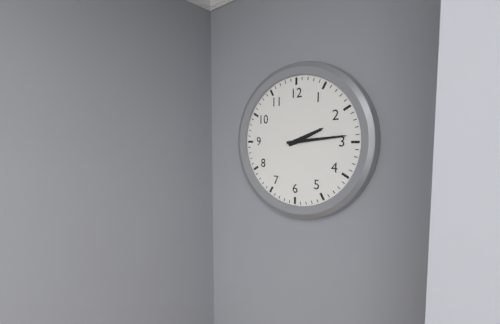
2:14
